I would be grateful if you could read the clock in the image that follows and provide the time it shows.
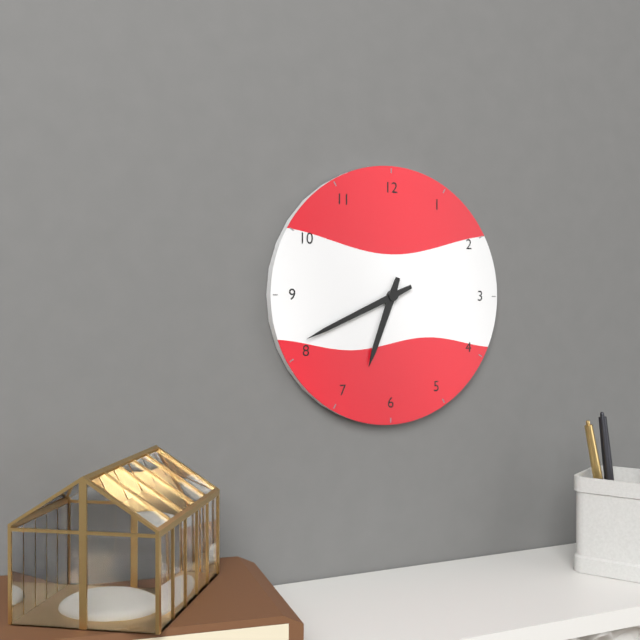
6:41
